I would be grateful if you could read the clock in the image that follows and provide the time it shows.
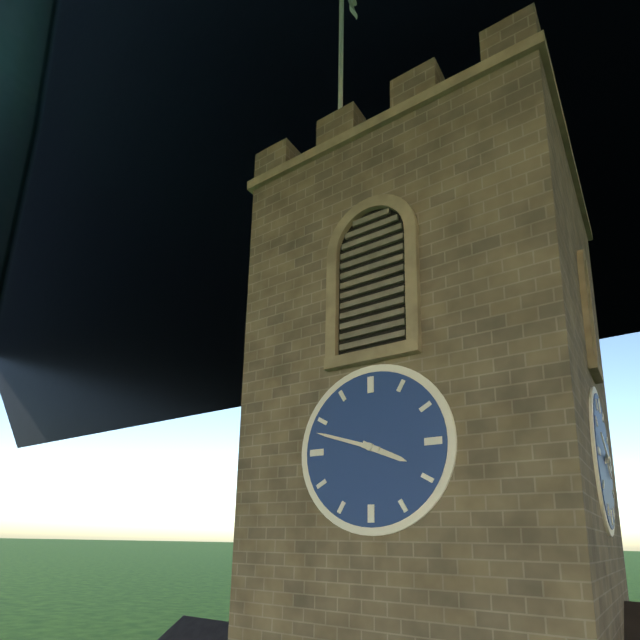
3:48
